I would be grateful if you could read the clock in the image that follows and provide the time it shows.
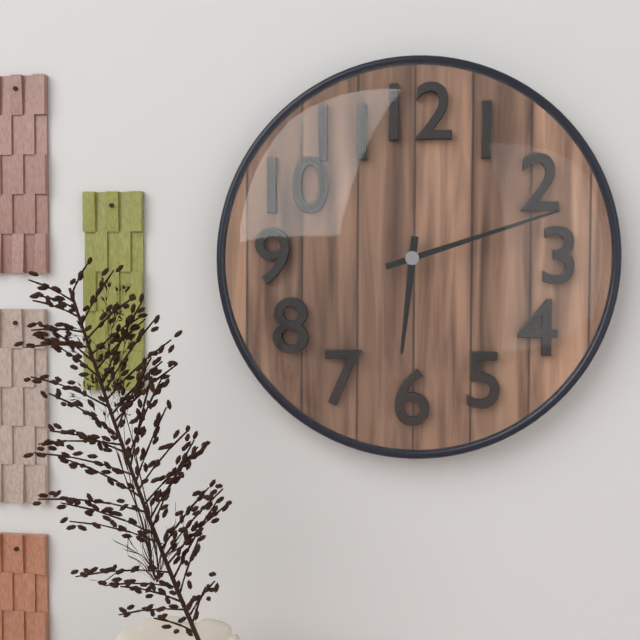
6:12
